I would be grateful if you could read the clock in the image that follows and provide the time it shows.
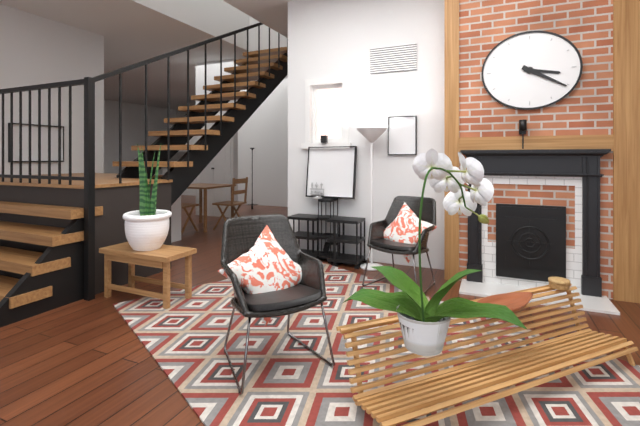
3:20
